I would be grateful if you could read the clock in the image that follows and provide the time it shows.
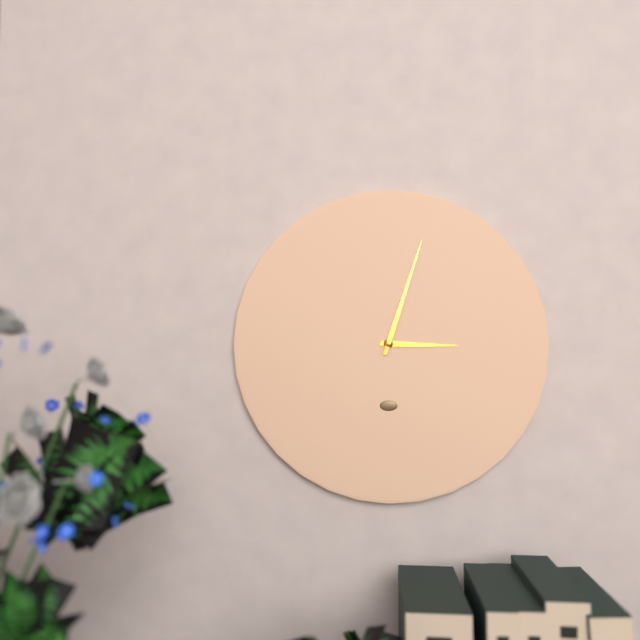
3:03
